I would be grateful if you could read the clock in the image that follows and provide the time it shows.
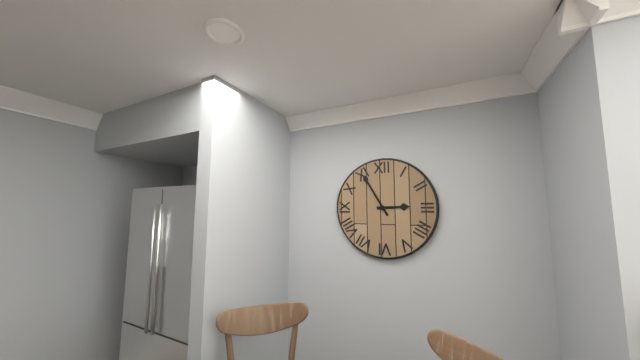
2:55
